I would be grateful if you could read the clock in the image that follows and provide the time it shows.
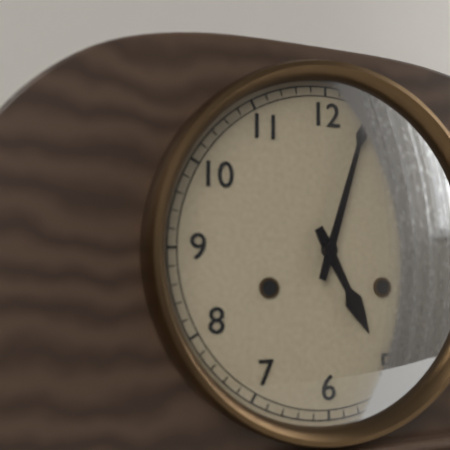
5:03
